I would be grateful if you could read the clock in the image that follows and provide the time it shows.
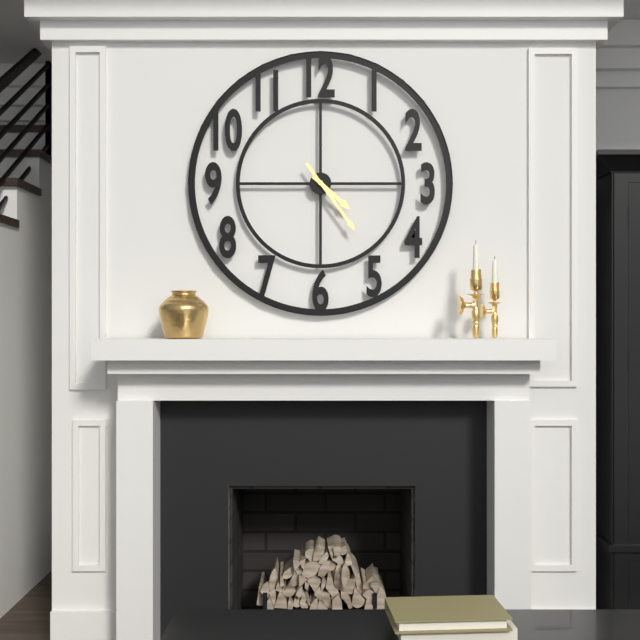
4:24
